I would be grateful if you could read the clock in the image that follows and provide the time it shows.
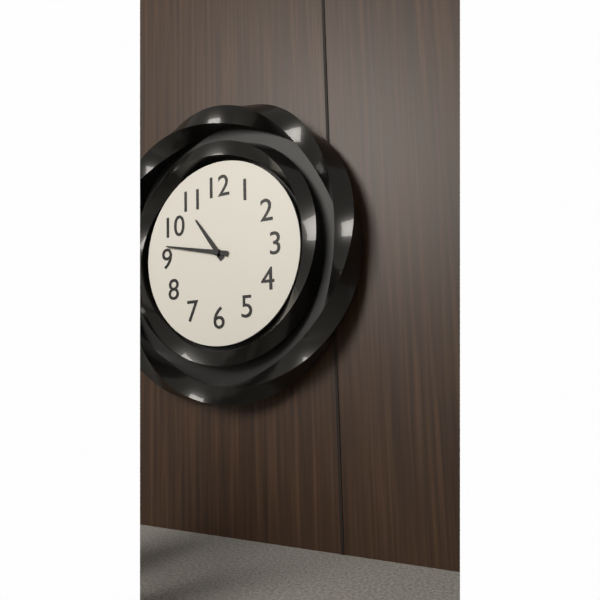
10:47
